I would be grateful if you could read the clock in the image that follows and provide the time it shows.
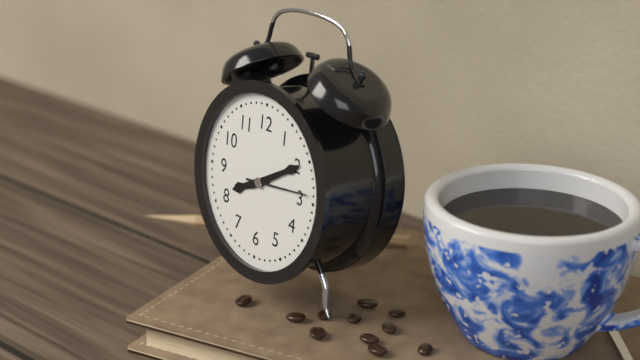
8:10:14
